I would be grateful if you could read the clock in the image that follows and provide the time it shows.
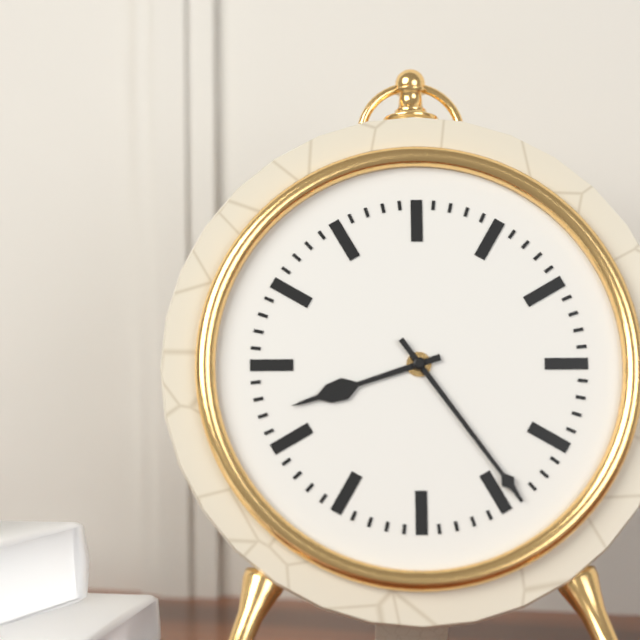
8:24
